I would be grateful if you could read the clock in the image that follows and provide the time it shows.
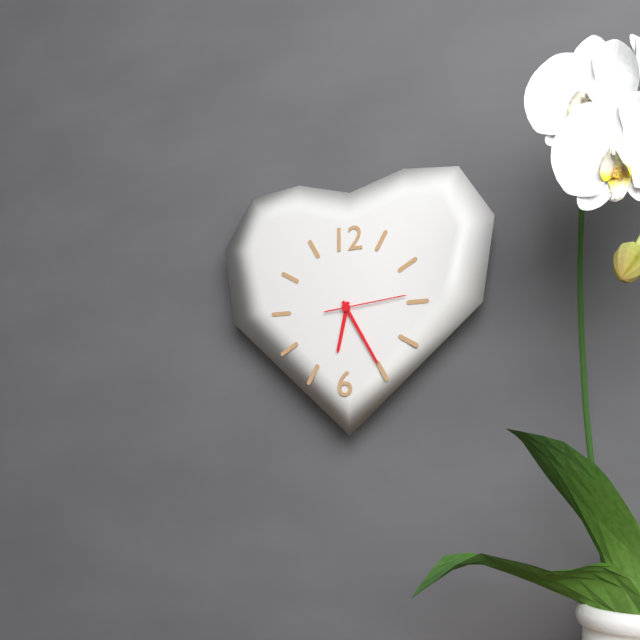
6:25:14
